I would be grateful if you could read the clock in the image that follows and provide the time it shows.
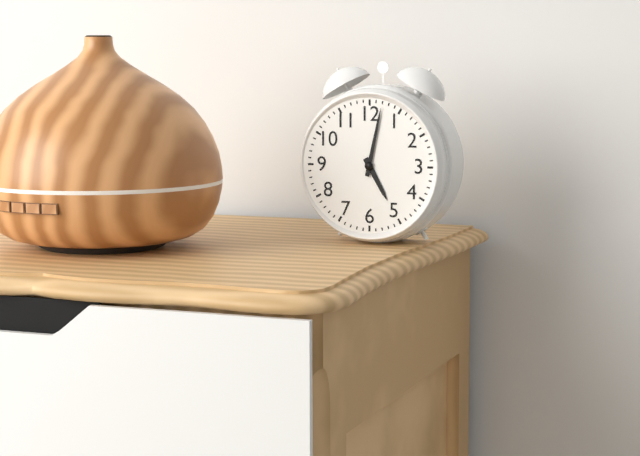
5:02
